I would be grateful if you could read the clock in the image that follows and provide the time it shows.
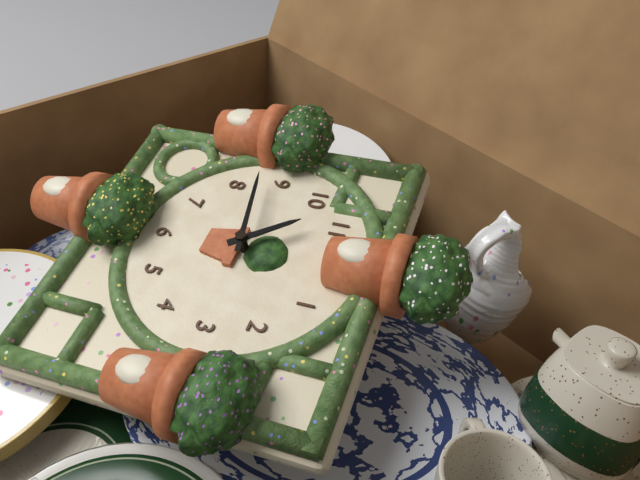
10:43
